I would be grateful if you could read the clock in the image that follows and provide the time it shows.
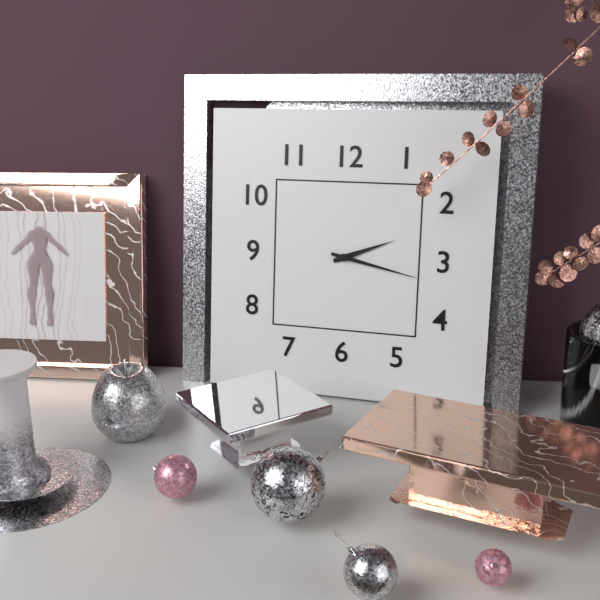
2:17
